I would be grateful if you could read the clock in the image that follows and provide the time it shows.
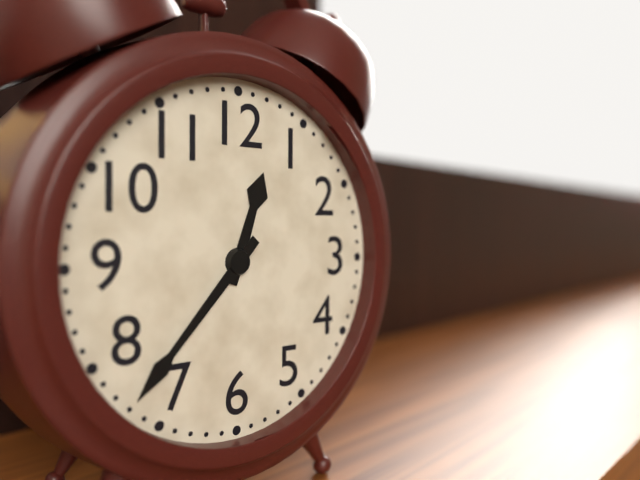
12:37
